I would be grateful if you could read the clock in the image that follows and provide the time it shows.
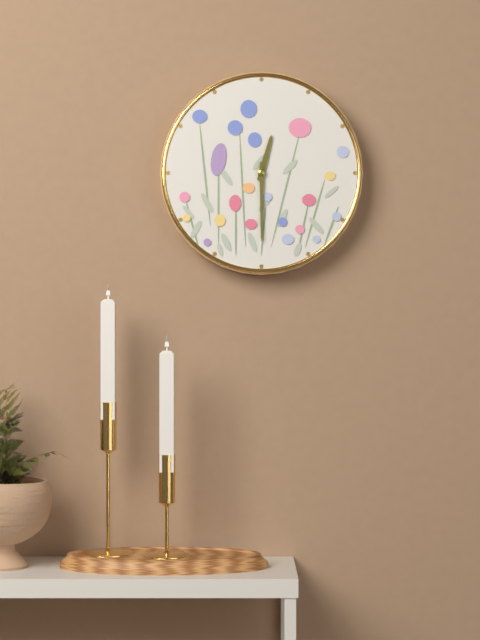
12:30
